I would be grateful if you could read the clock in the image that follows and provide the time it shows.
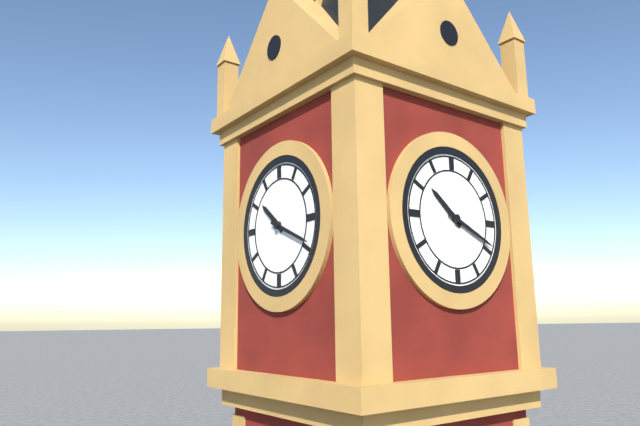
10:19
